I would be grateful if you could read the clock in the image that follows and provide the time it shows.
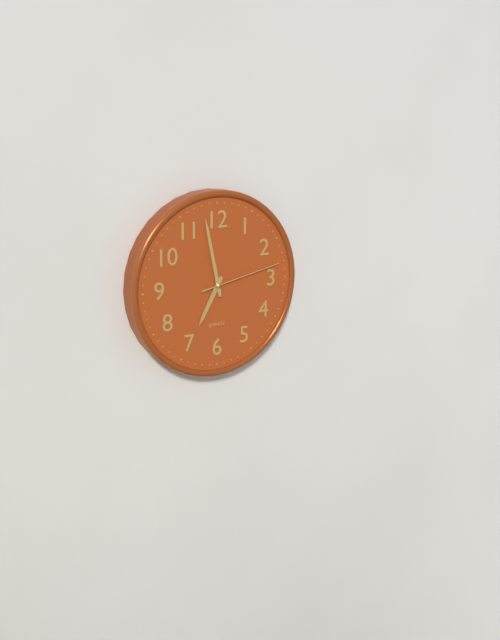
6:58:13
